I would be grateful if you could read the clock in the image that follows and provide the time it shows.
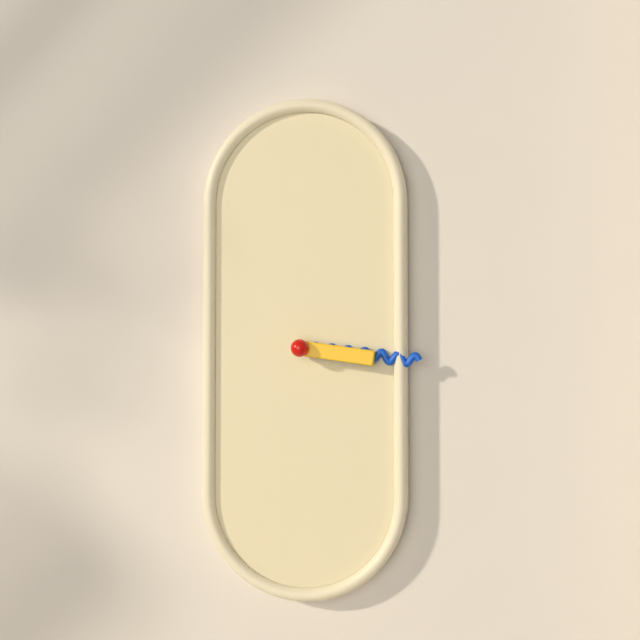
3:16
